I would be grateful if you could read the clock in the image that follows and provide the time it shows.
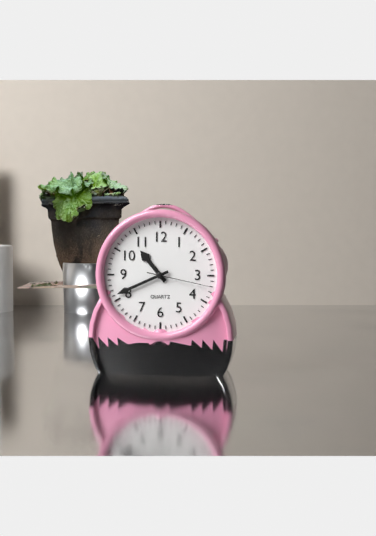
10:41:17
